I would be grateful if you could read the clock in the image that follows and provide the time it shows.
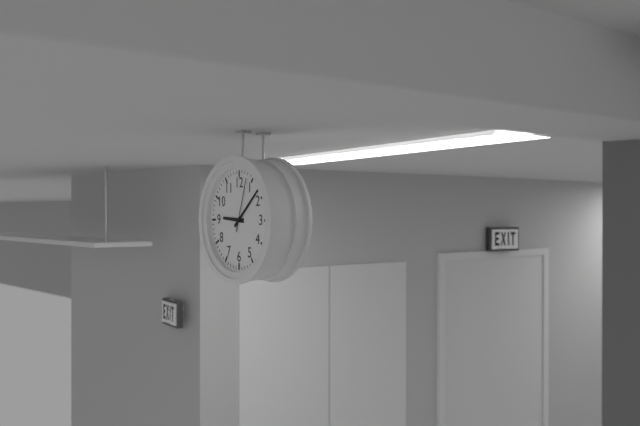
9:08:03
